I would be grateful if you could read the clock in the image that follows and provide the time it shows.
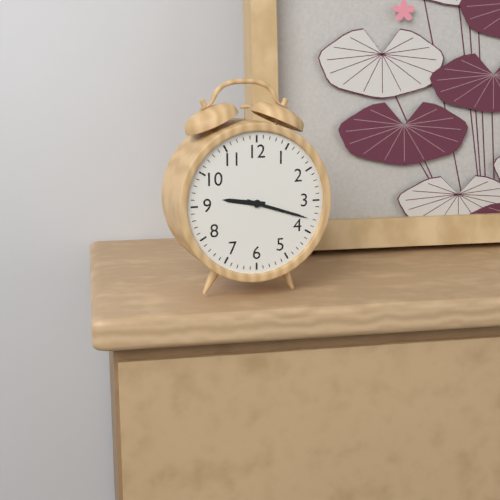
9:18
